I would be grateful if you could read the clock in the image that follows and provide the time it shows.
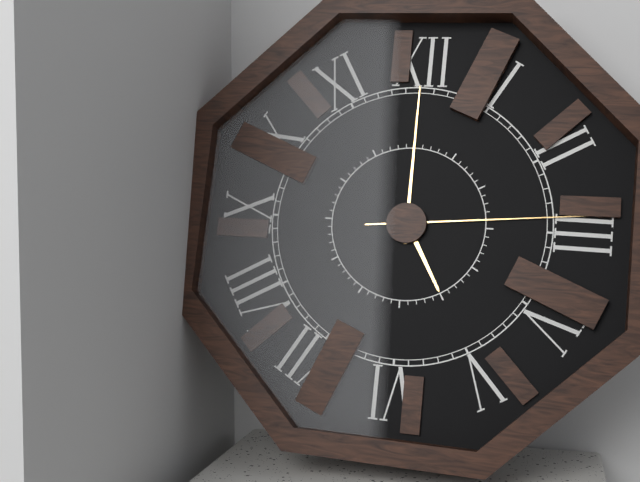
5:00:14
